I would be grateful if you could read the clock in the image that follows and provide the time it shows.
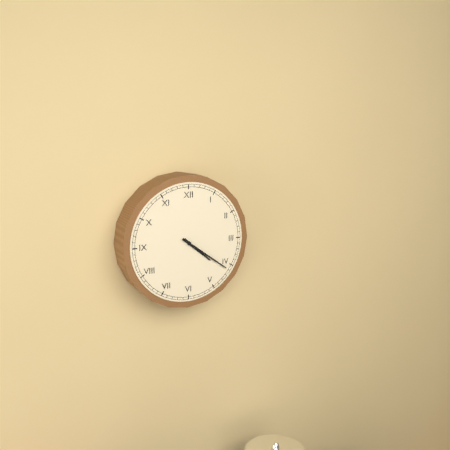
4:21
